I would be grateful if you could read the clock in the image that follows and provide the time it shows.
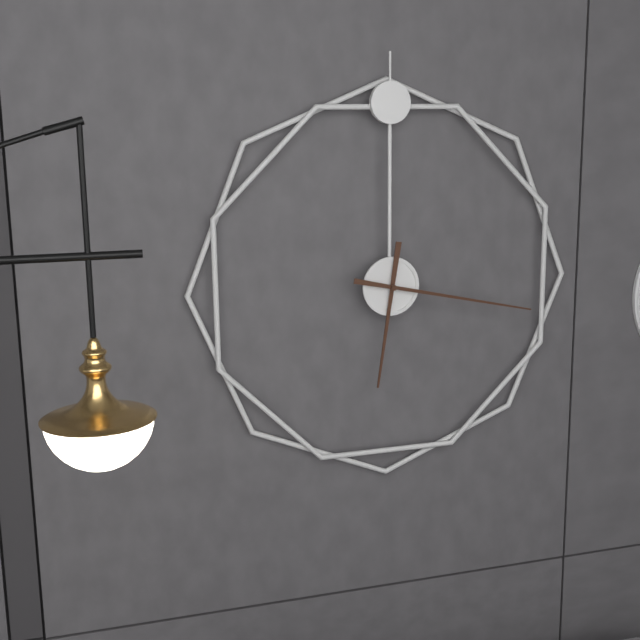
6:17
